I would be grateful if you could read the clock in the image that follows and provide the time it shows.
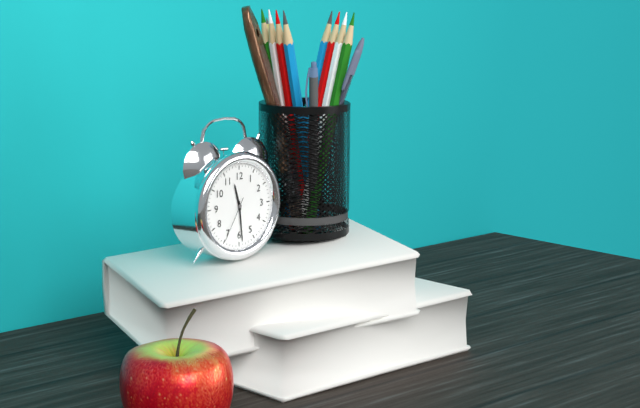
11:29
